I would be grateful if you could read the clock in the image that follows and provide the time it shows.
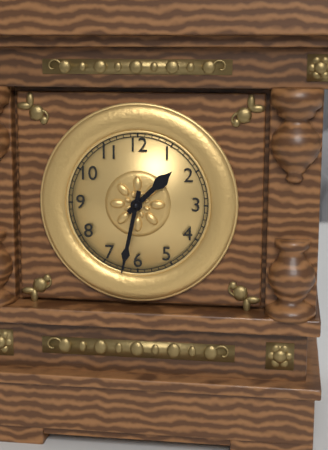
1:32
